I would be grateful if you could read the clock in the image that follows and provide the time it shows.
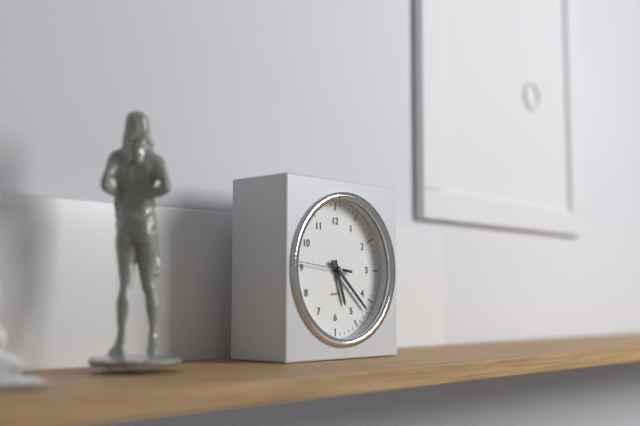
5:22:46
